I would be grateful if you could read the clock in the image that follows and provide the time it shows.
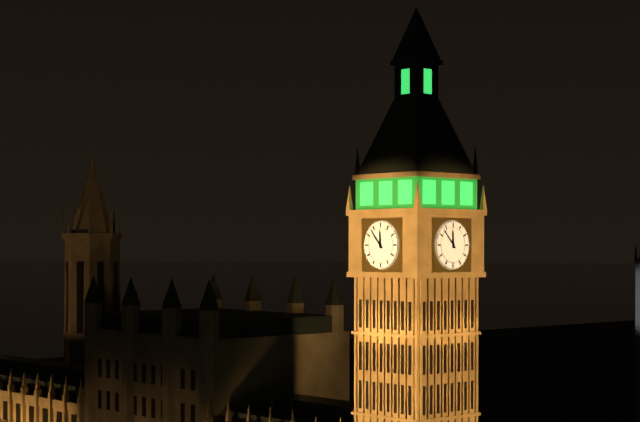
11:53
